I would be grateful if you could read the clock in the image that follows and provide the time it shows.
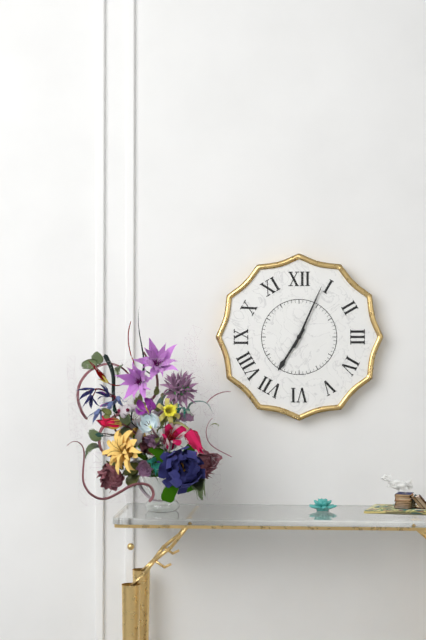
7:04
